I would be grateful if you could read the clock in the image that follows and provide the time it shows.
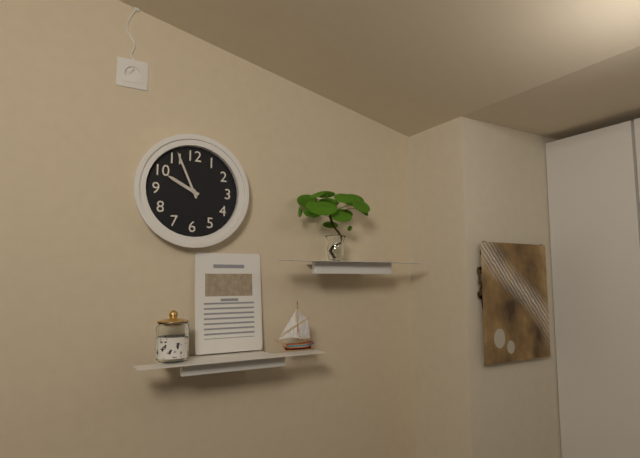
9:56
